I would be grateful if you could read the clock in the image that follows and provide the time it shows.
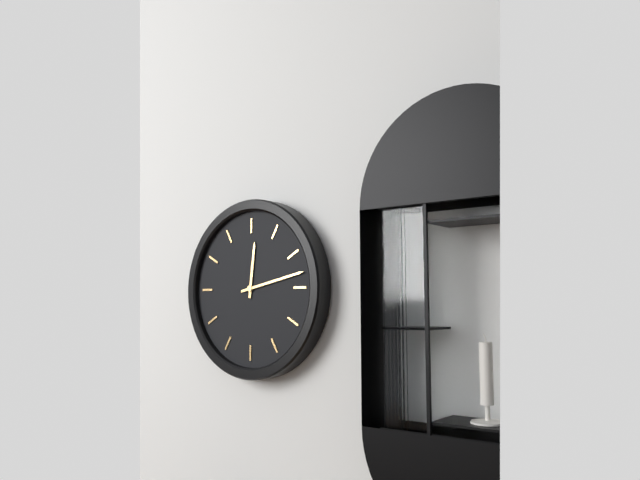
12:13
